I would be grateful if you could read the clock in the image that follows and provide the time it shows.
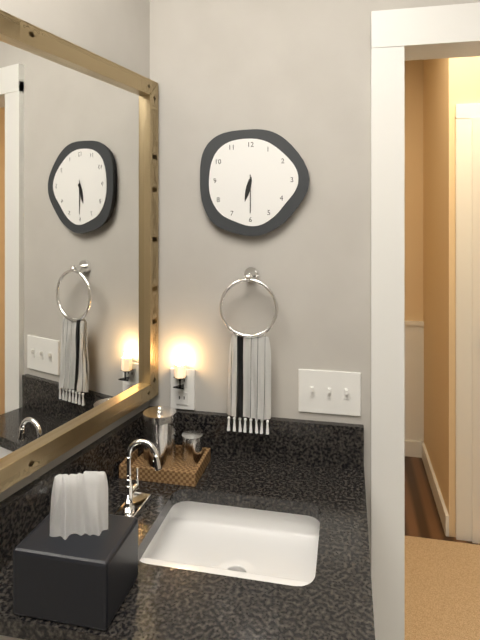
6:30
